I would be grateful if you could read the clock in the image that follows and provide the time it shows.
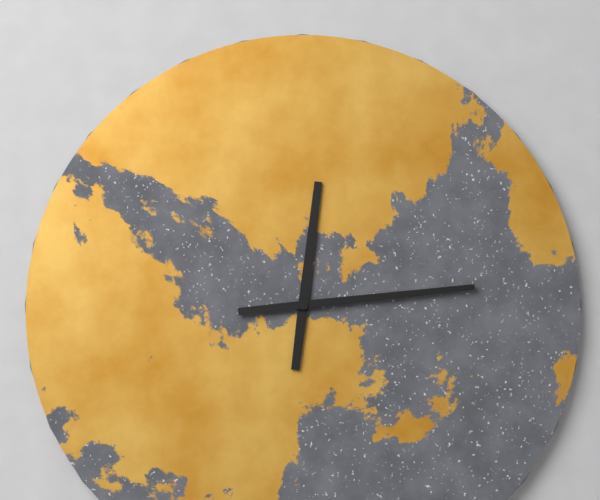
12:14
